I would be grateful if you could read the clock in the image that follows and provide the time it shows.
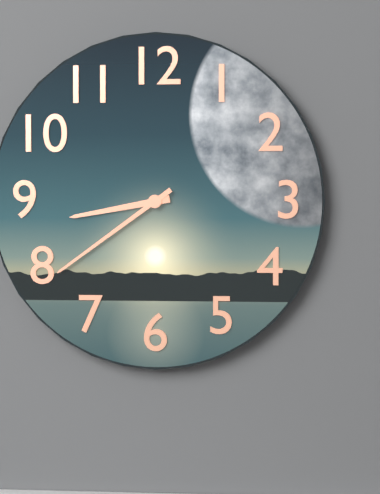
8:39
